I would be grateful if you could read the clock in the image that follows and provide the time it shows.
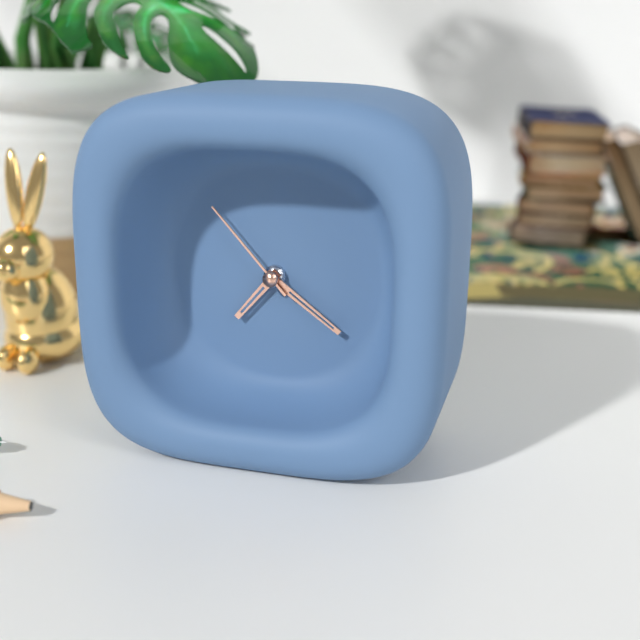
7:21:53
